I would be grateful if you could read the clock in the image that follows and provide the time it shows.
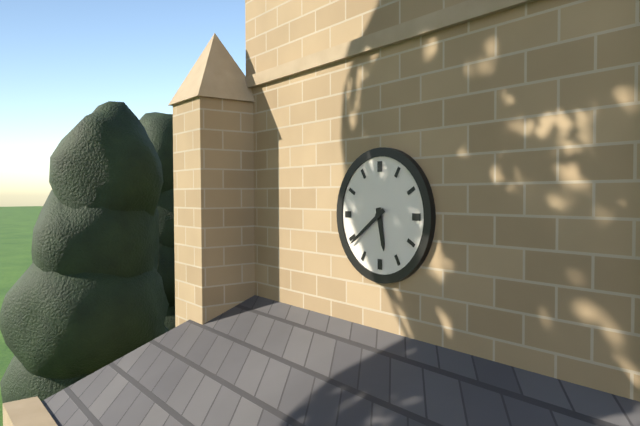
5:39
